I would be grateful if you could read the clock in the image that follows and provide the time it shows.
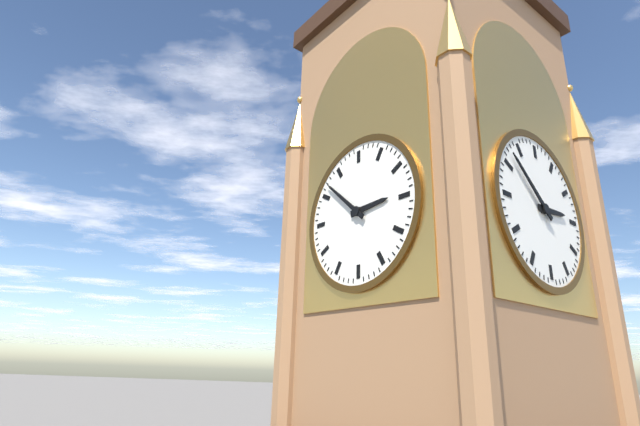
2:52
